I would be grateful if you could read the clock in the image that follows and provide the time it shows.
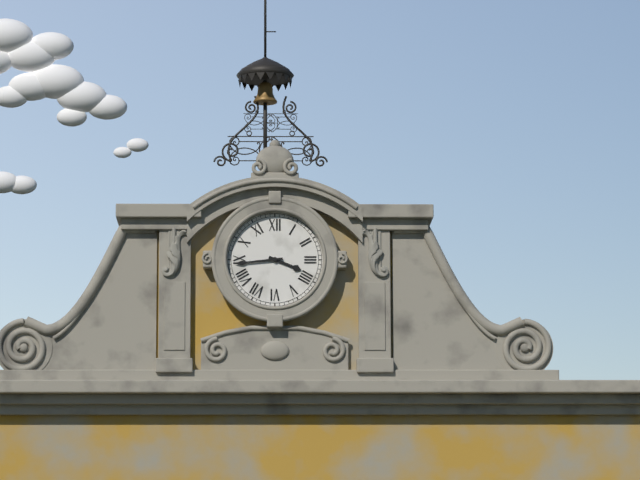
3:44
